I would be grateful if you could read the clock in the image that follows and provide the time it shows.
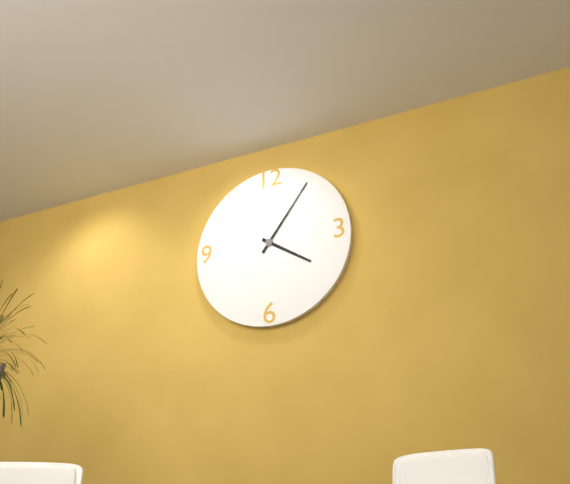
4:06
